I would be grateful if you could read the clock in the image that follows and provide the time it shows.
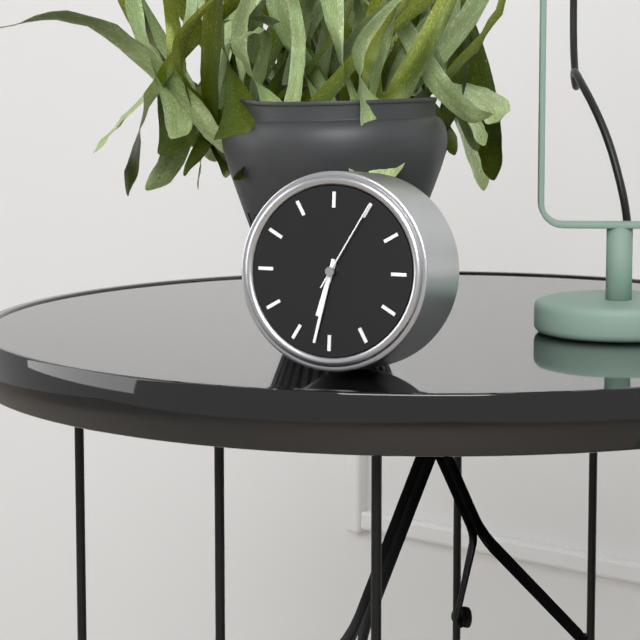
6:32:05
